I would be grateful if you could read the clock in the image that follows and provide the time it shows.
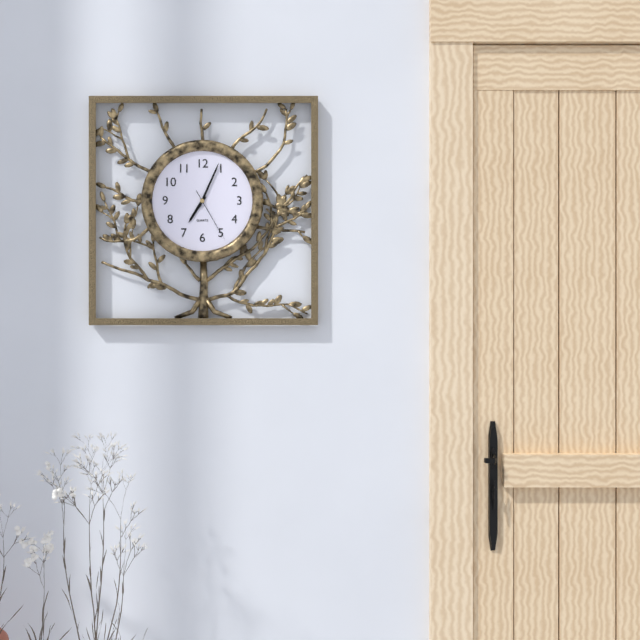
7:04:25
